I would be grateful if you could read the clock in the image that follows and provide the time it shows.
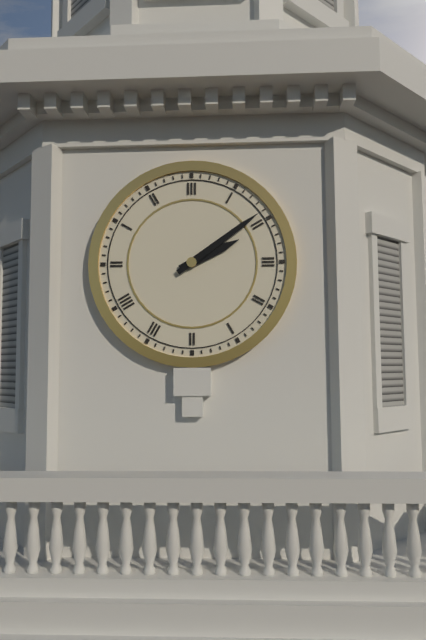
2:09
